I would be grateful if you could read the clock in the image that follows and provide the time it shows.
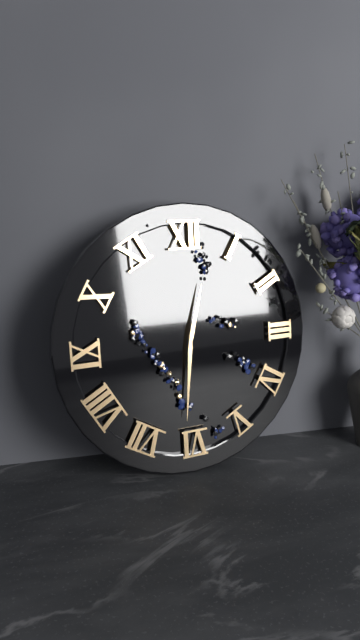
12:31
